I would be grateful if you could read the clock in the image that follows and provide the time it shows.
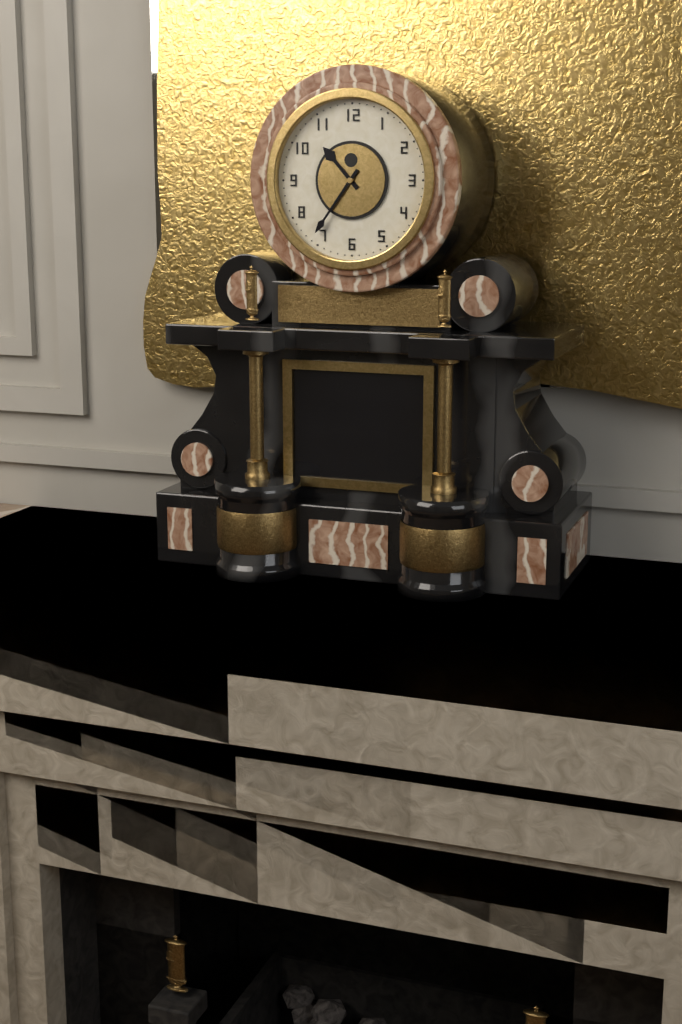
10:36
